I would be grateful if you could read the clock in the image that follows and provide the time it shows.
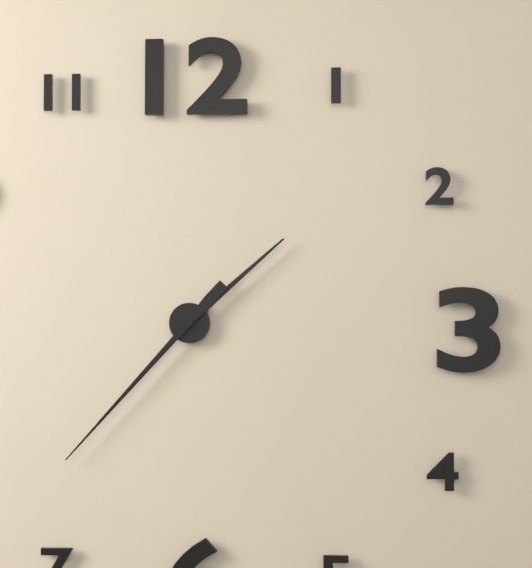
1:37
